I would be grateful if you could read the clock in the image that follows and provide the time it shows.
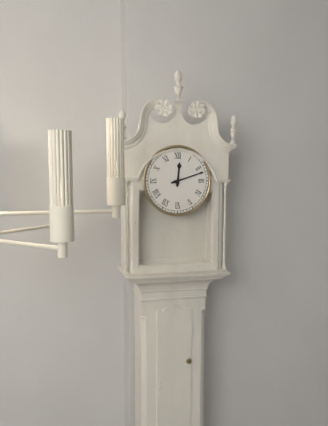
12:12
